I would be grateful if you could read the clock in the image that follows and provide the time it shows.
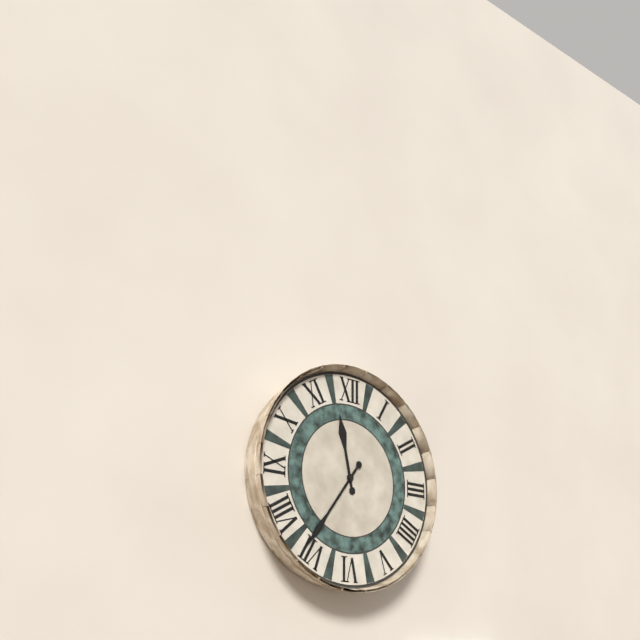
11:36
